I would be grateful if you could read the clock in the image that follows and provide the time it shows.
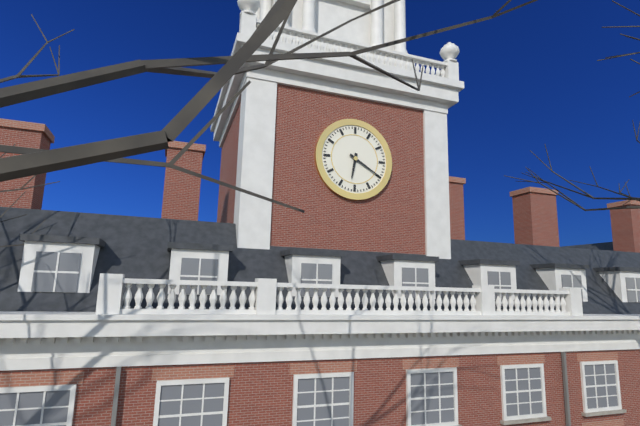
6:20
